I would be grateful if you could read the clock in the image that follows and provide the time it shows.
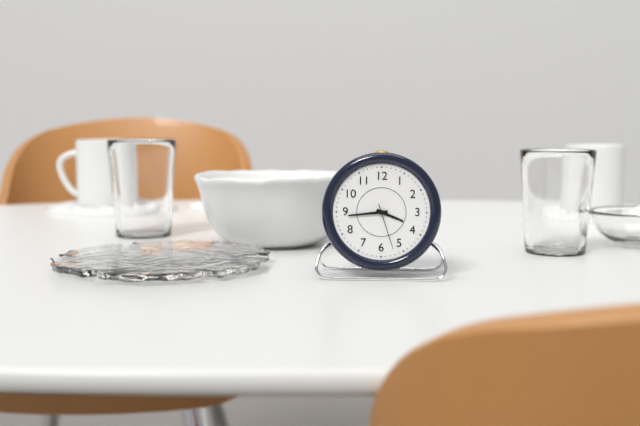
3:44
